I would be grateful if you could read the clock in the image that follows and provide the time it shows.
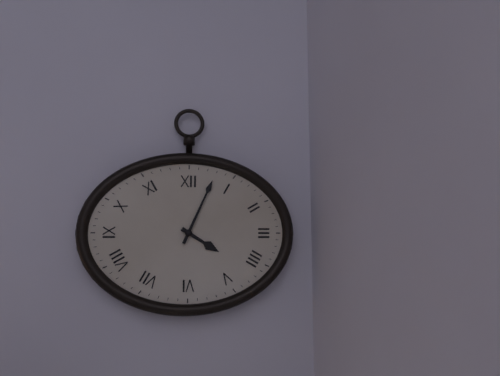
4:04
